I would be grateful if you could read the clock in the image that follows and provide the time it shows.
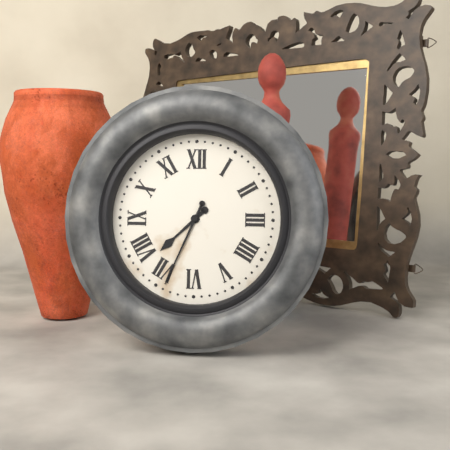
7:34
